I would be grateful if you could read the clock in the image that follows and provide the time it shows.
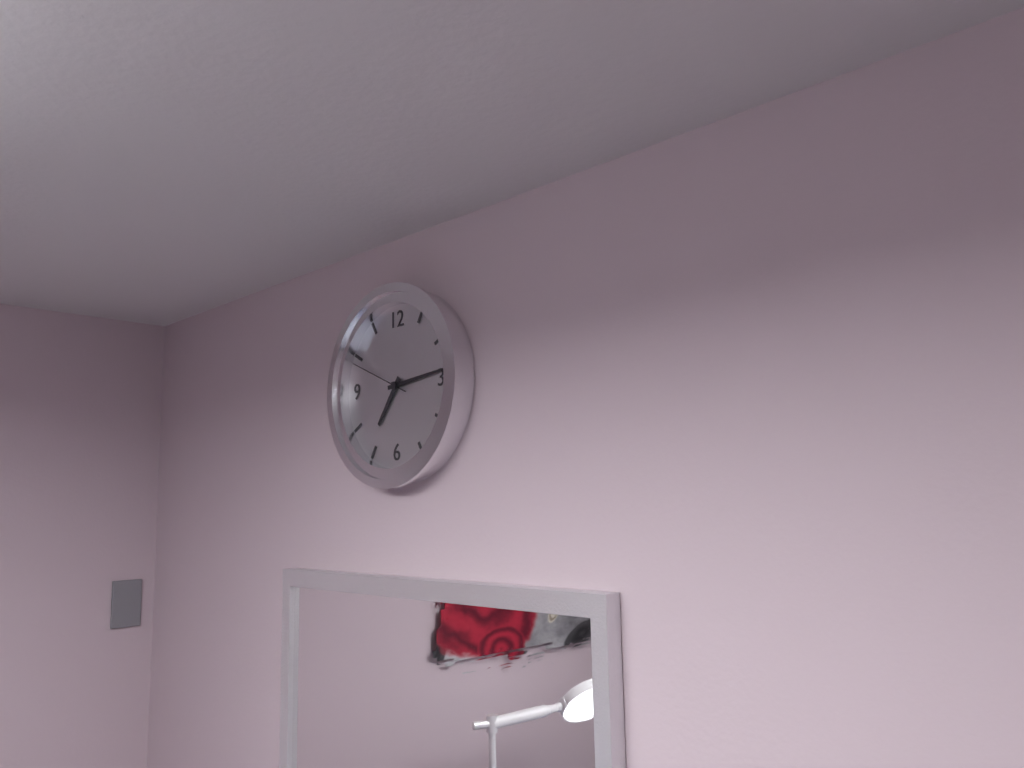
7:14:49
